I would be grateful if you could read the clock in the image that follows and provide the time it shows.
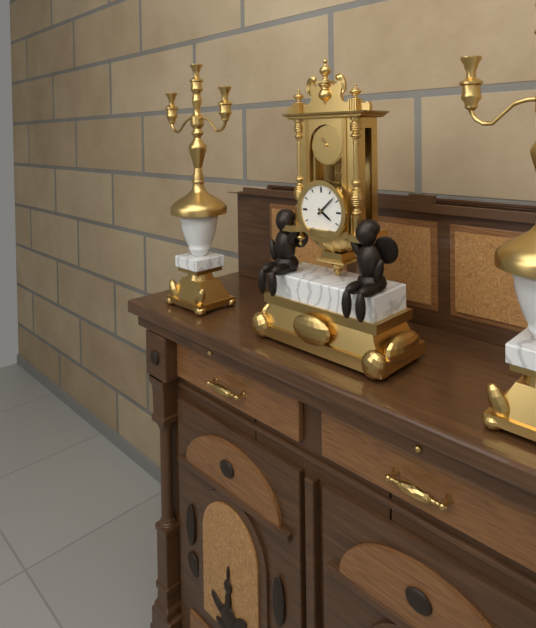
4:08
